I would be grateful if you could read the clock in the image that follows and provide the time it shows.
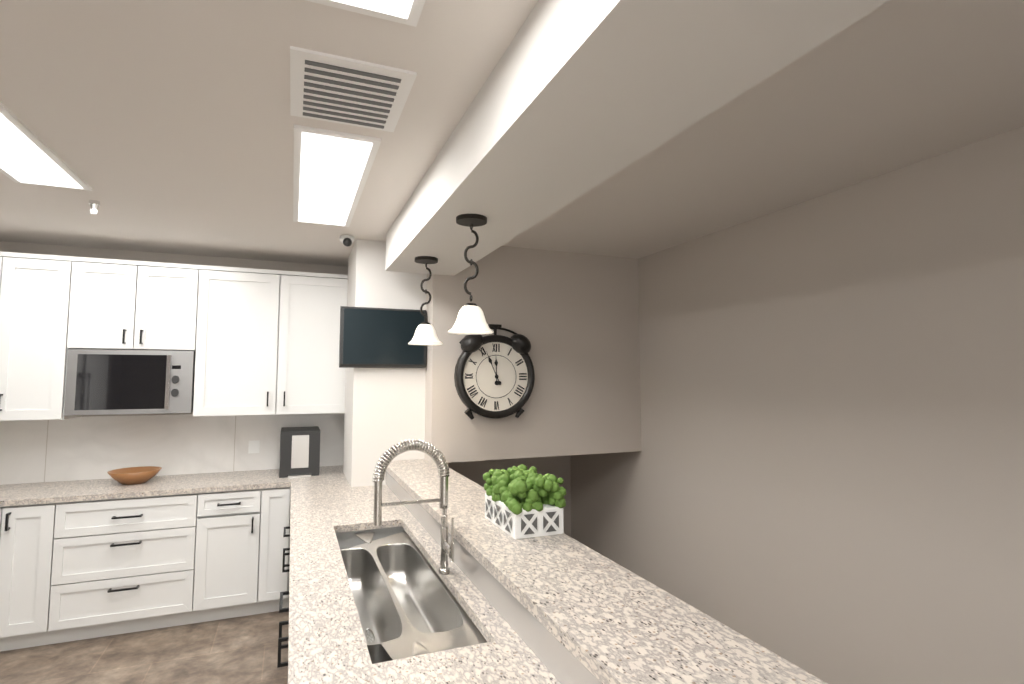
11:56
